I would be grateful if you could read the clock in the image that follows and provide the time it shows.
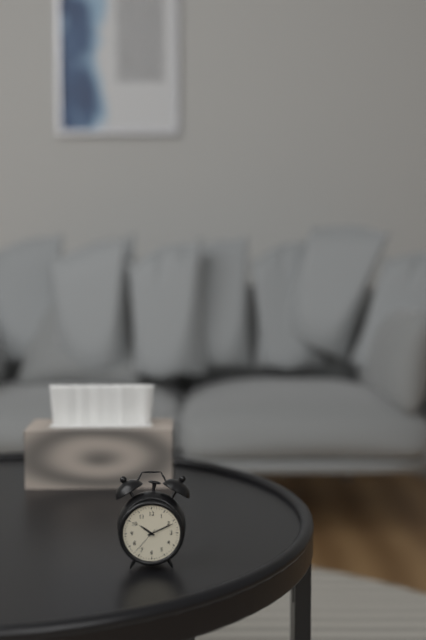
10:11
